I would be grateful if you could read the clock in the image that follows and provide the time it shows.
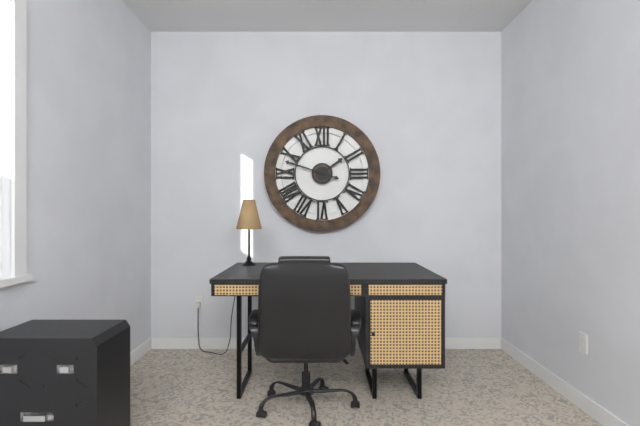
1:48
